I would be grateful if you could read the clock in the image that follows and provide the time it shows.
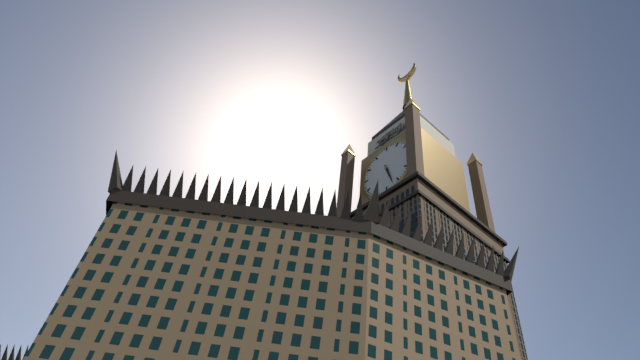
5:27
